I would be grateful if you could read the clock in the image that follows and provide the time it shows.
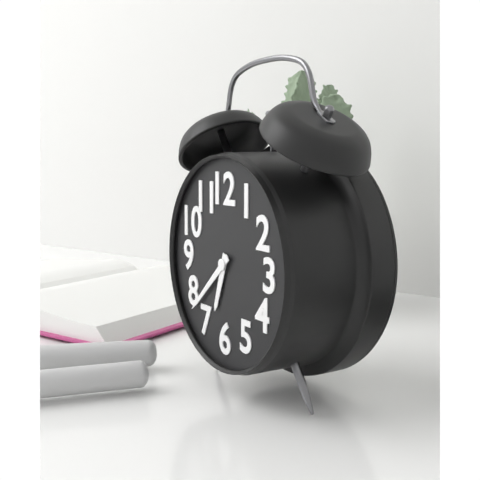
6:38
